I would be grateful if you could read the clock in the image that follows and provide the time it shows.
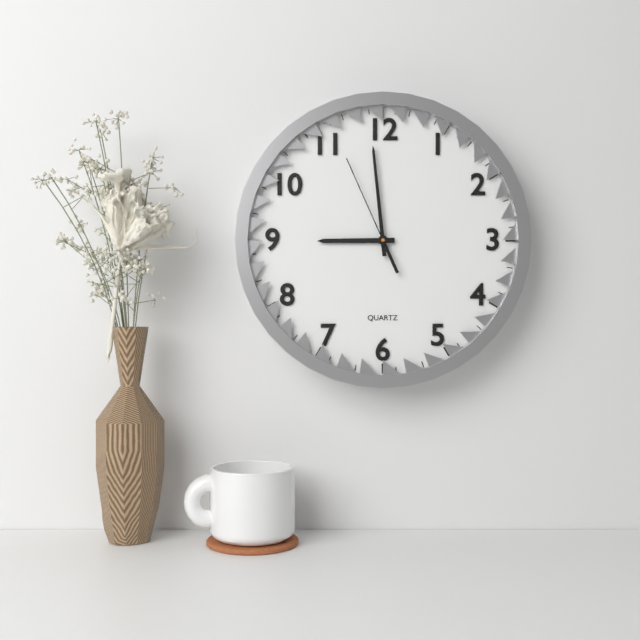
8:59:56
